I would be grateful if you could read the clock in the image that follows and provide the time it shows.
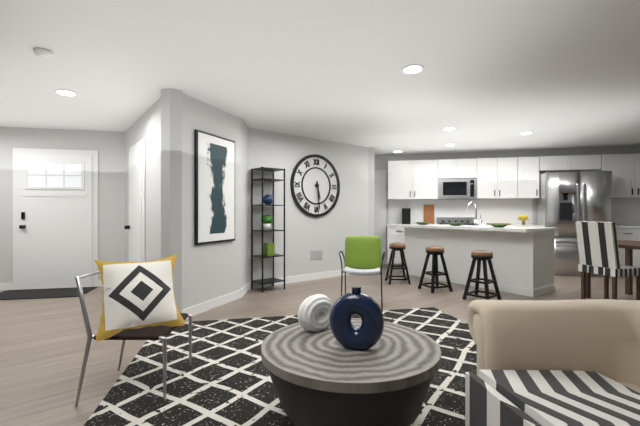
5:29
